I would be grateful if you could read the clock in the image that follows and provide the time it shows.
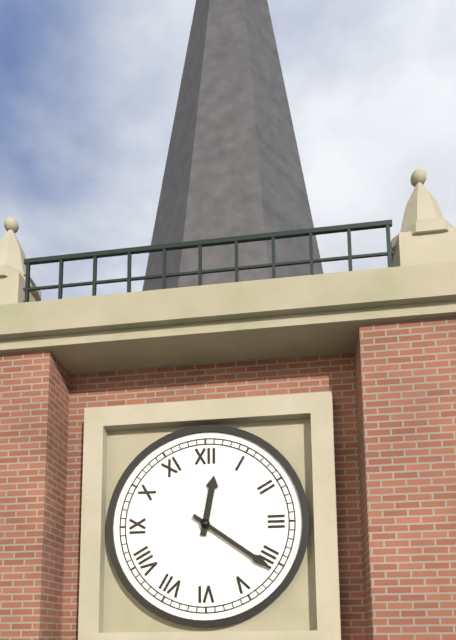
12:21
